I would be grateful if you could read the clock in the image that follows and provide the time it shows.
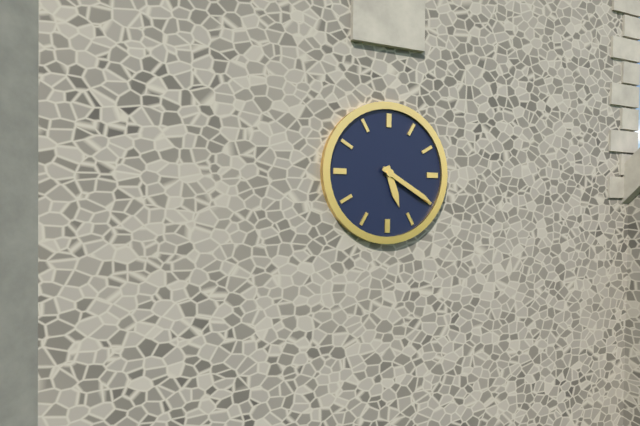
5:20
